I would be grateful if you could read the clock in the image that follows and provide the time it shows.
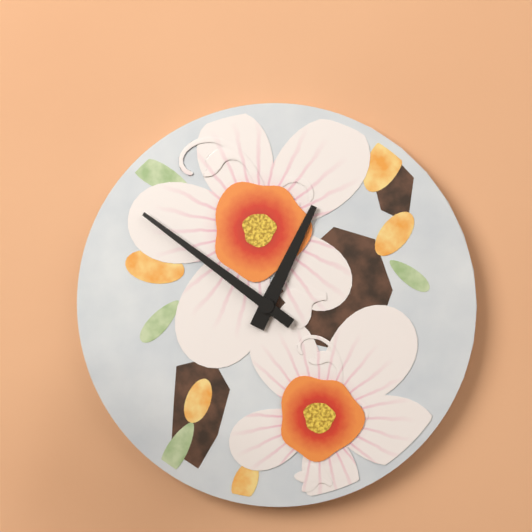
12:51
